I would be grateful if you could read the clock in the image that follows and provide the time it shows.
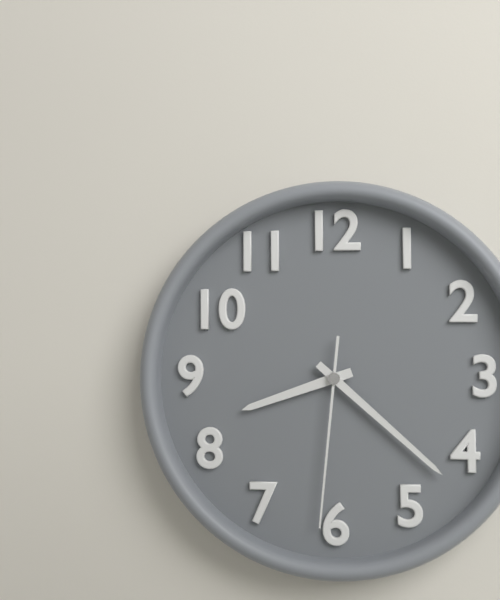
8:22:31
